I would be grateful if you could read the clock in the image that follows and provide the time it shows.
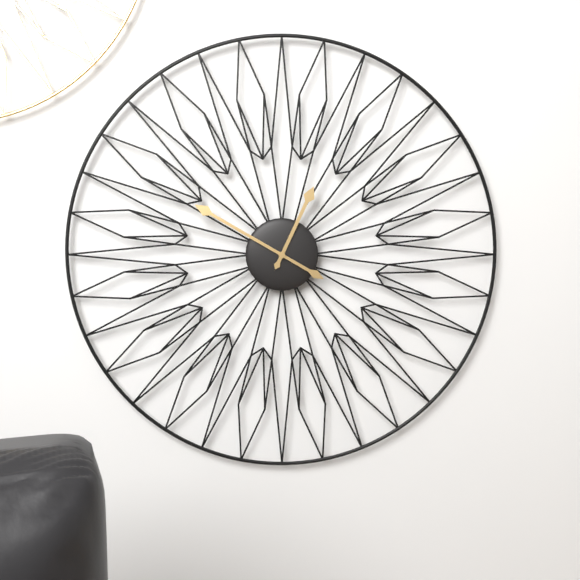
12:50
